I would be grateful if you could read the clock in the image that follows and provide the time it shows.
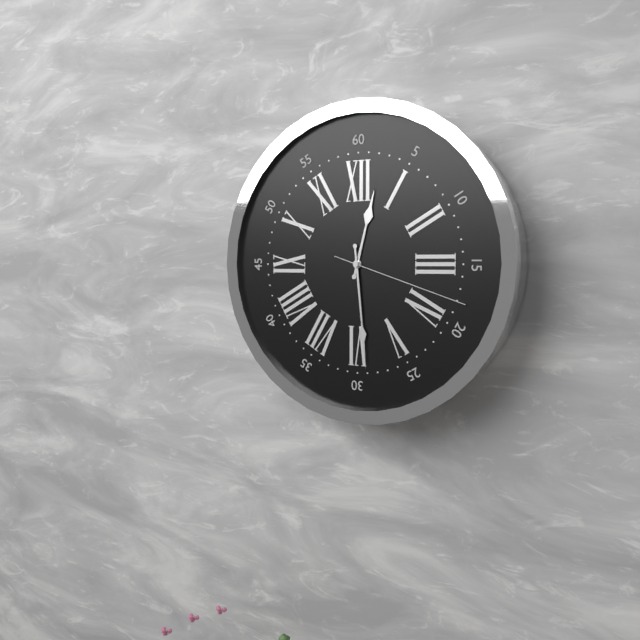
12:29:18
